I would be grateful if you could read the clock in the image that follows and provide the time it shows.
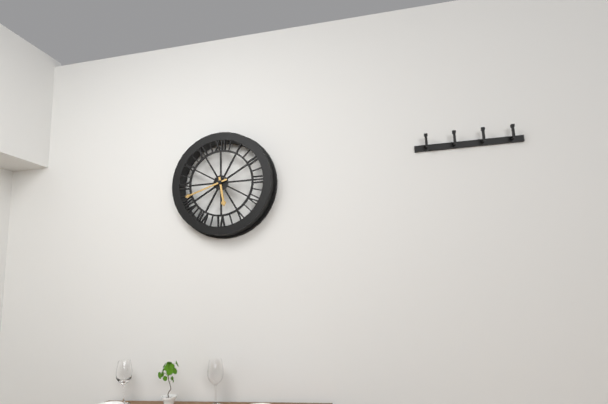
5:42
